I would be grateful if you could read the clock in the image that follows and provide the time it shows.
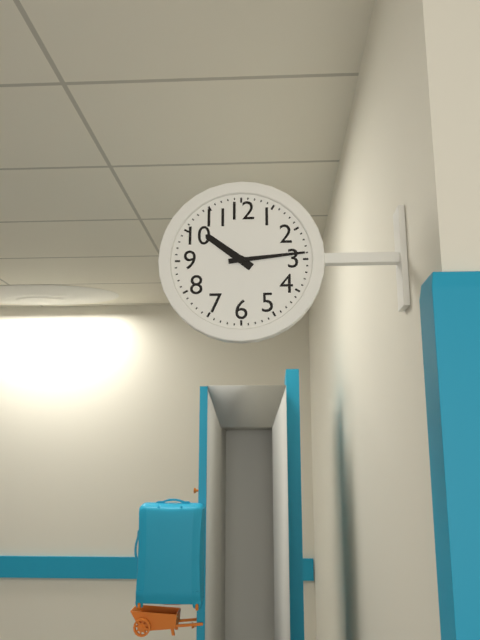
10:14
